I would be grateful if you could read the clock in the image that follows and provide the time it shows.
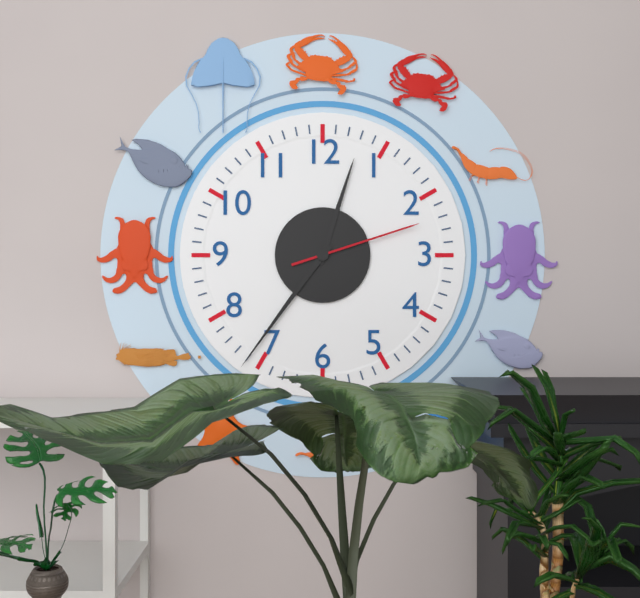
12:36:12
